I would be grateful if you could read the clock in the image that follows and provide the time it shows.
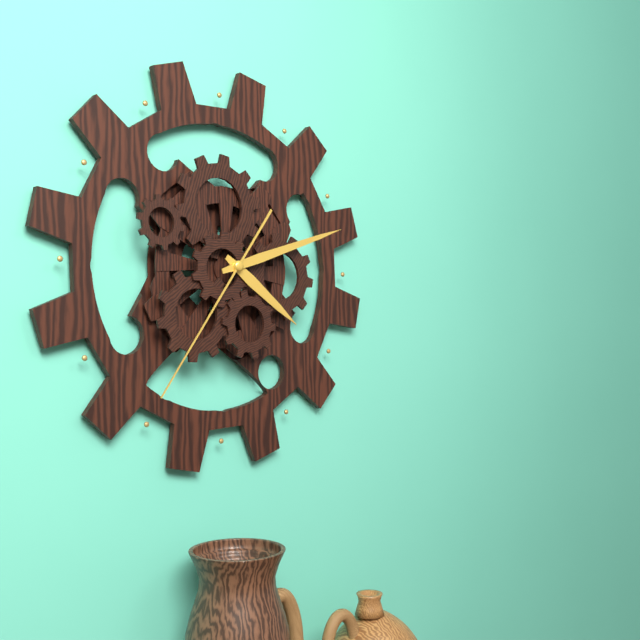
4:12:36
